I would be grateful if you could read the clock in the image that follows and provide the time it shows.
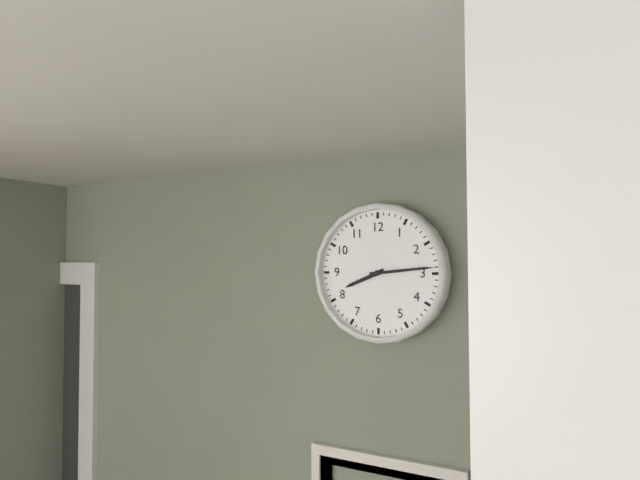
8:14
